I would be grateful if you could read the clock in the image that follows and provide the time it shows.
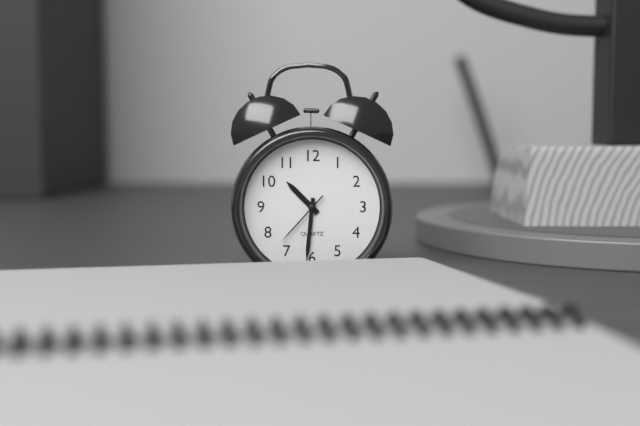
10:31:37
